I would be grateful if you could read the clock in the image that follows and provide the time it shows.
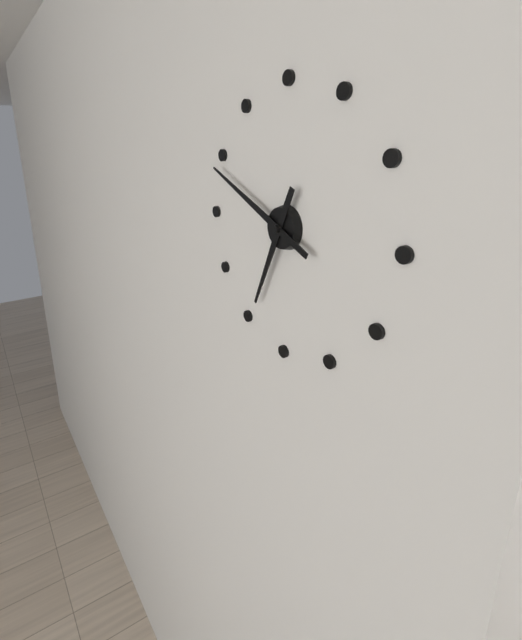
6:49
